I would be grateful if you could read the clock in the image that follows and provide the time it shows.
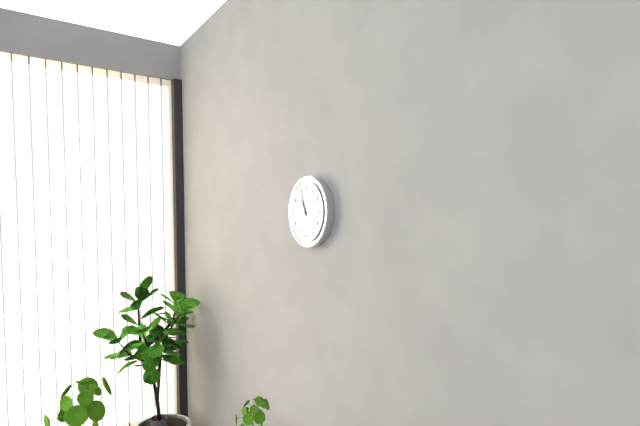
10:57
